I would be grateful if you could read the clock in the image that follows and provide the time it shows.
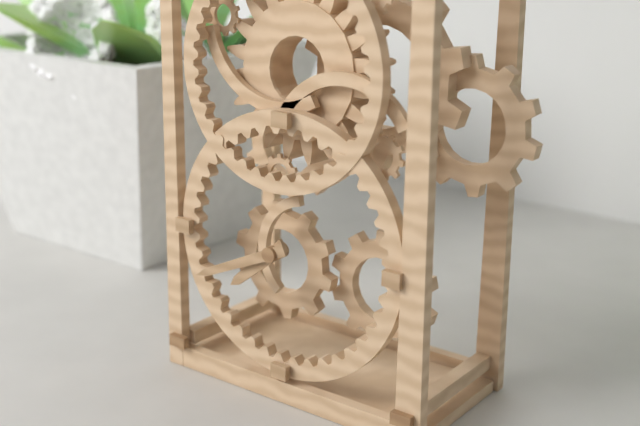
7:41
